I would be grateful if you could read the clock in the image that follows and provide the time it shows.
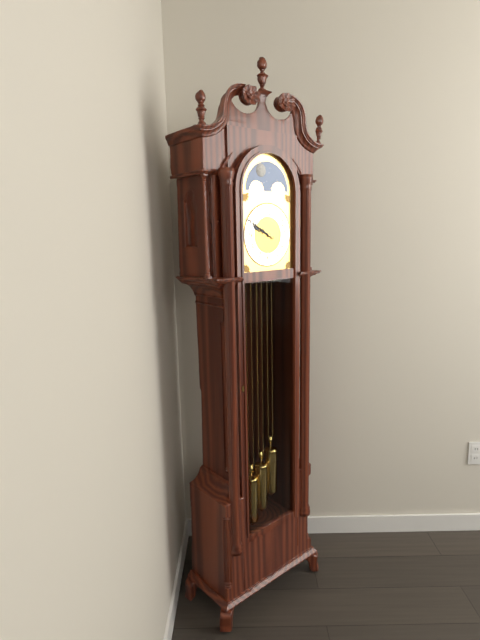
9:50
